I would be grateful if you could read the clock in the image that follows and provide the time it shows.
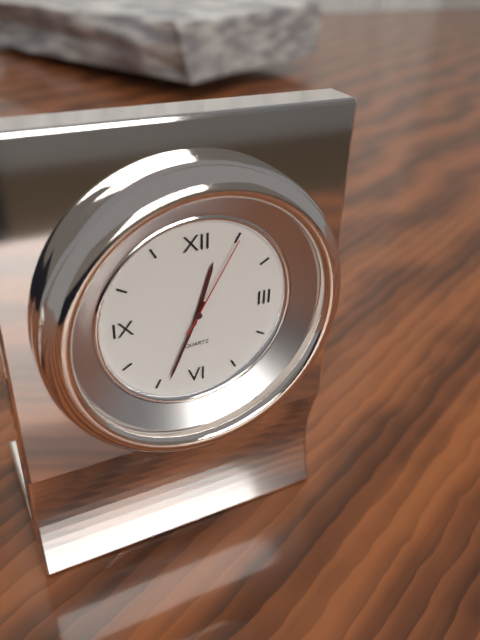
12:34:05
